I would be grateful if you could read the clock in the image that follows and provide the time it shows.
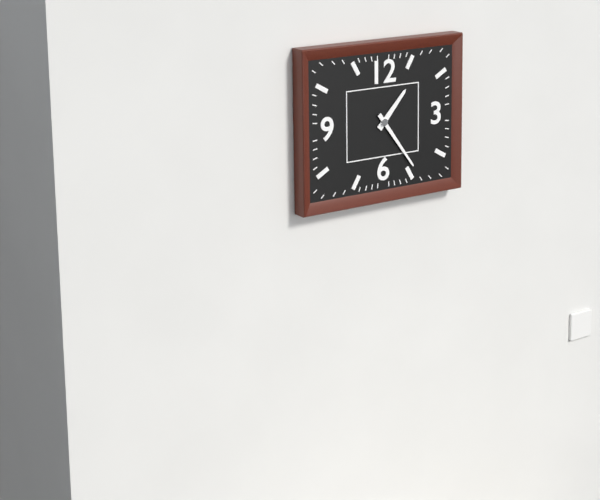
1:24
